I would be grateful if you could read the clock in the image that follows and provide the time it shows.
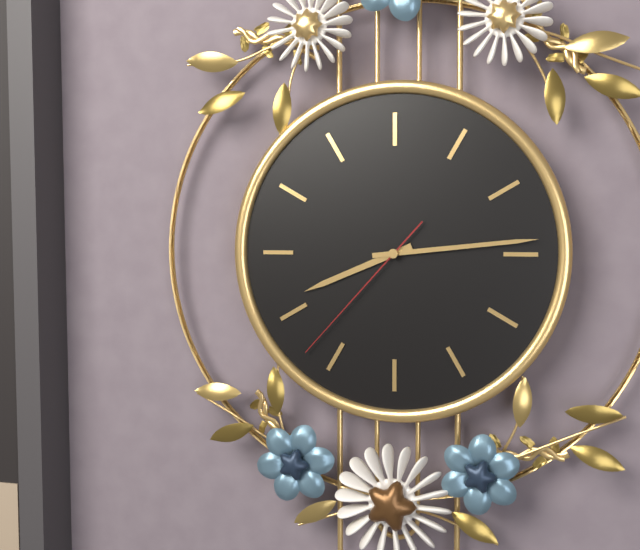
8:14:37
